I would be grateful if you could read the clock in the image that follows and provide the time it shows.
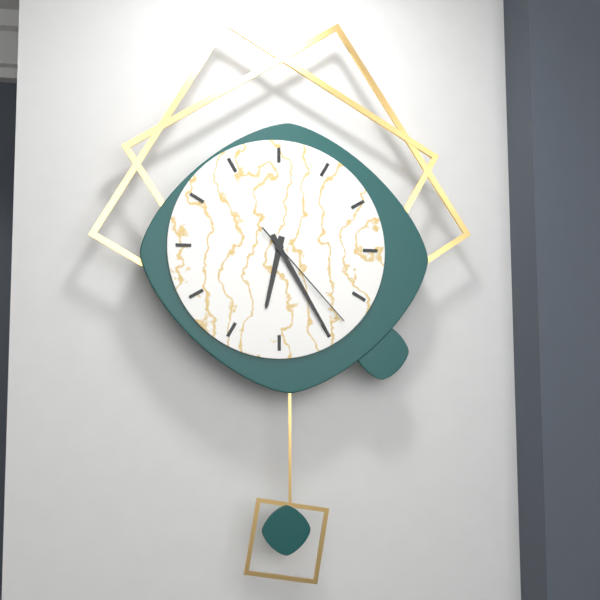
6:25:23
